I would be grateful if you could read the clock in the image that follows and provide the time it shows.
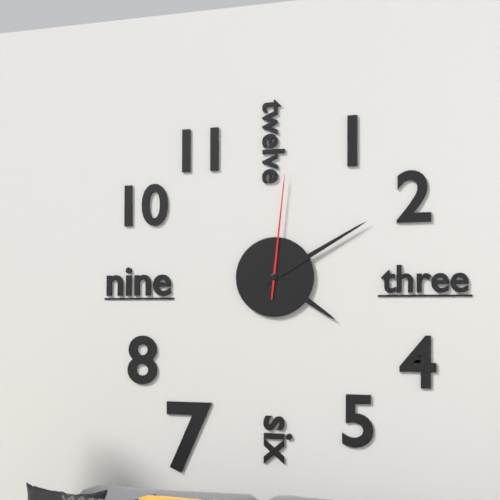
4:10:01
